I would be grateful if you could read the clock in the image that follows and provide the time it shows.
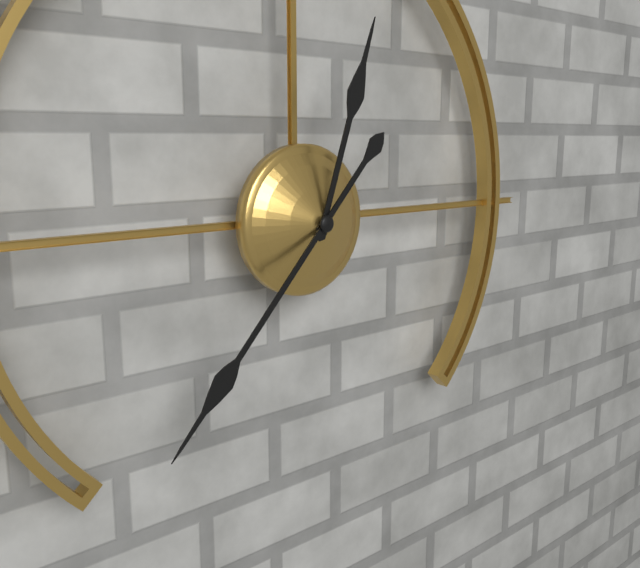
12:37
